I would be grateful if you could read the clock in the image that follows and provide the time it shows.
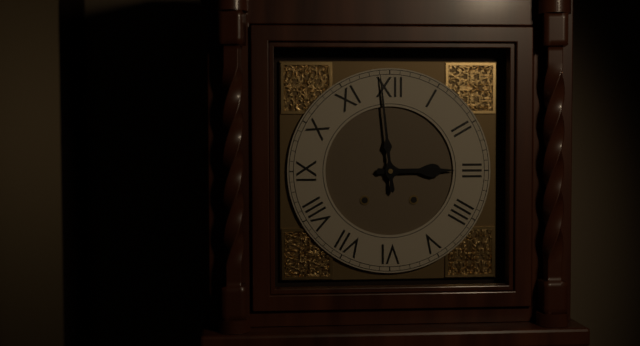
2:59
